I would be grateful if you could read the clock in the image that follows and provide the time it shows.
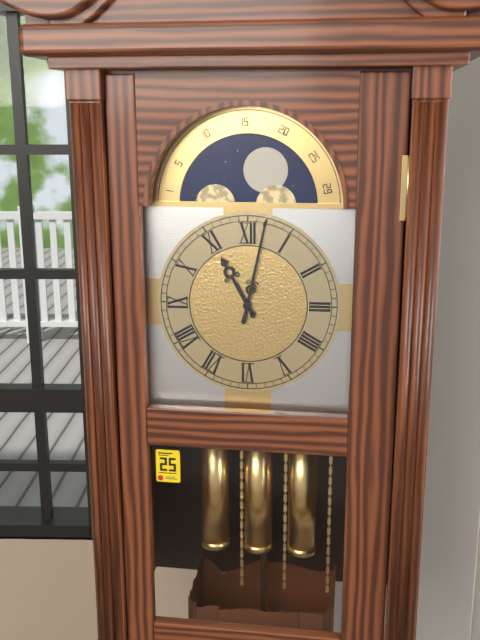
11:02
